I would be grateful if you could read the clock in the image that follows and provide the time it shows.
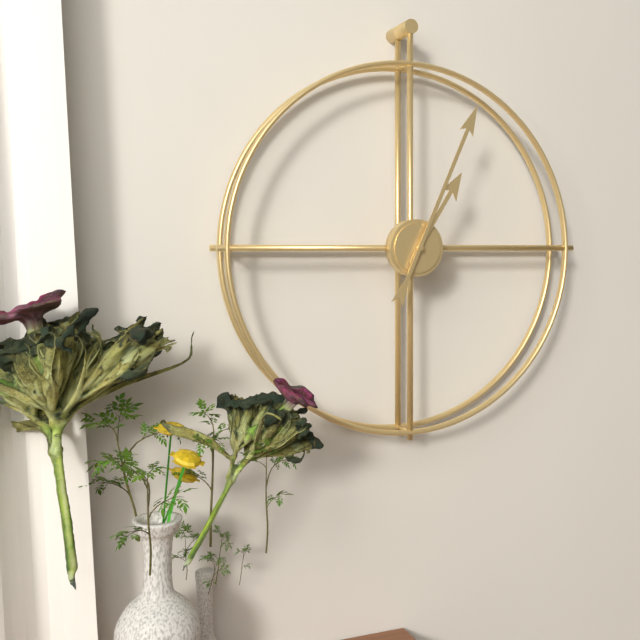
1:04
